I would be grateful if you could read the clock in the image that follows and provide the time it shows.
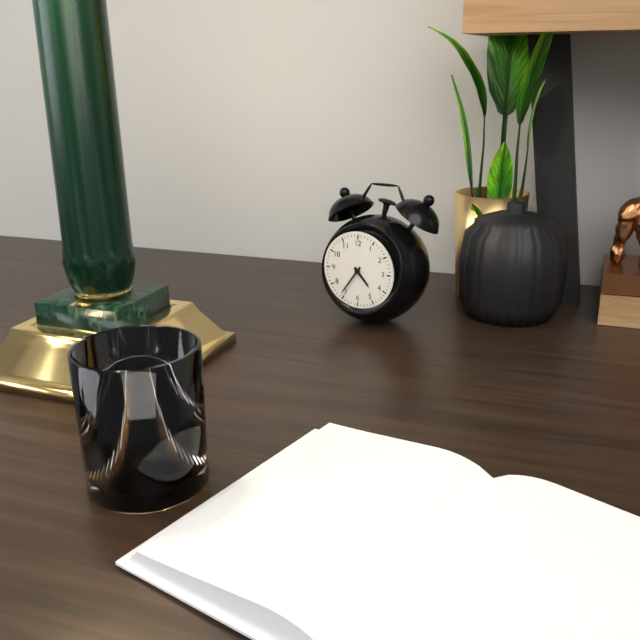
4:36
